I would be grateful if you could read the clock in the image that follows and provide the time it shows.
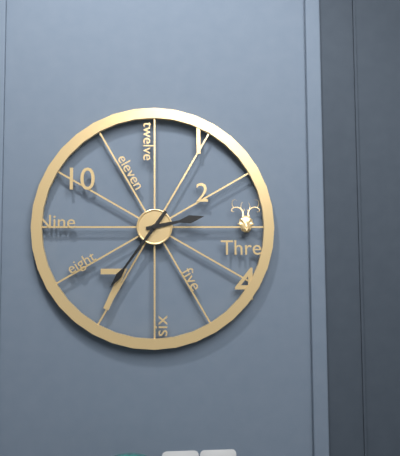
2:36
